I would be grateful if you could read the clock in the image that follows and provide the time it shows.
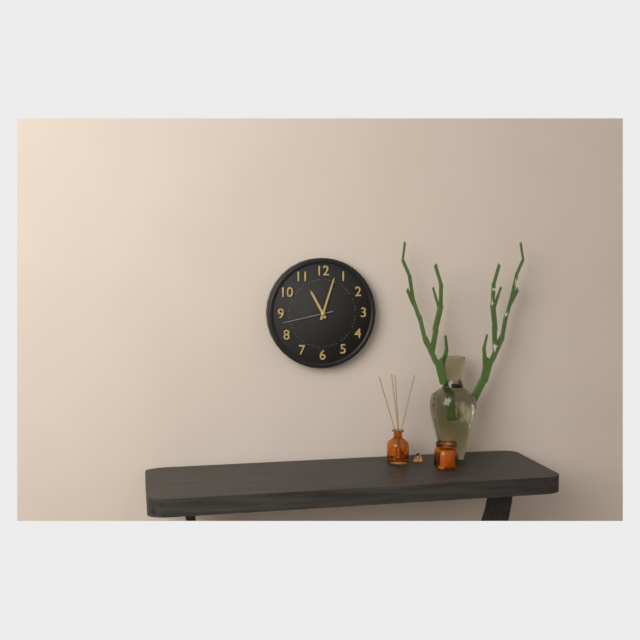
11:03
